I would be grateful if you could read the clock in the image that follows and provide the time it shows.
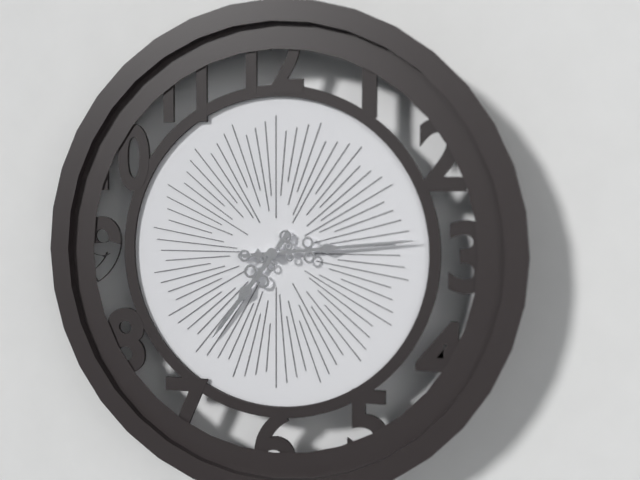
7:14
